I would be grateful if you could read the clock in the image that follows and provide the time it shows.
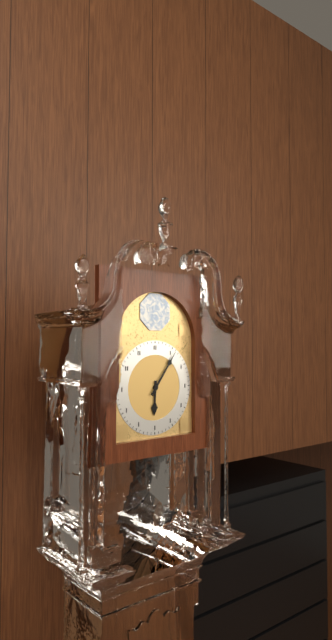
6:06
